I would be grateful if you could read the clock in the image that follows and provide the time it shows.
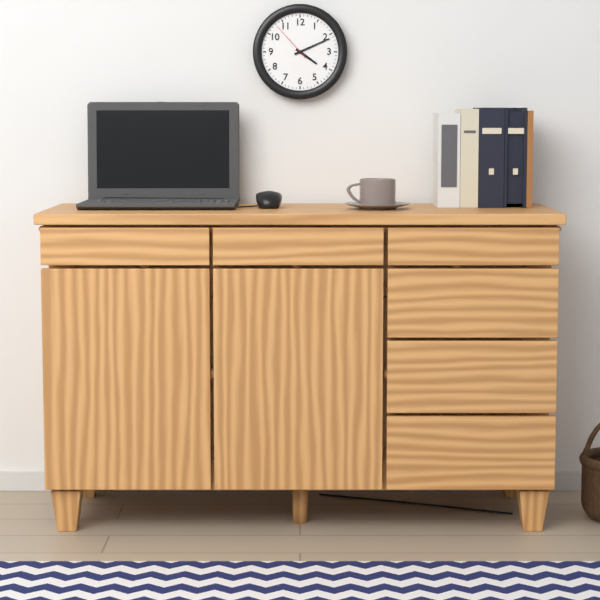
4:11
